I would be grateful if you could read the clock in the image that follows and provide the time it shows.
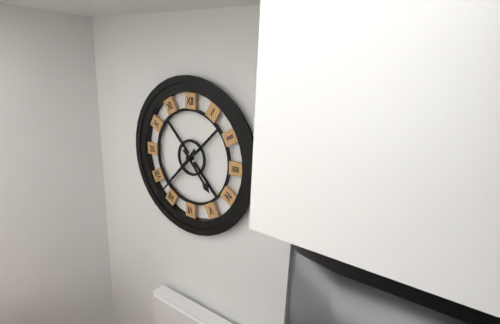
4:37
